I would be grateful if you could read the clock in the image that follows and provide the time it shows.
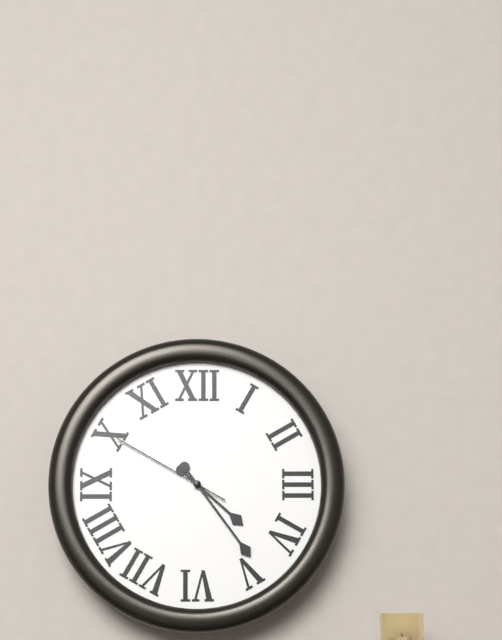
4:24:50
